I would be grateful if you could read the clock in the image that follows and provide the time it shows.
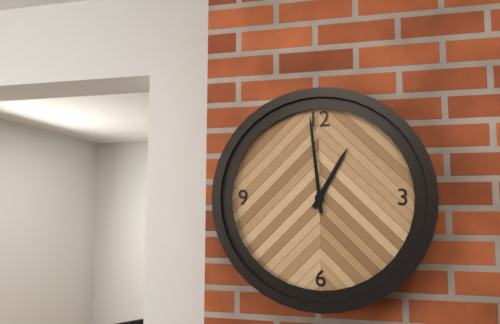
12:59
